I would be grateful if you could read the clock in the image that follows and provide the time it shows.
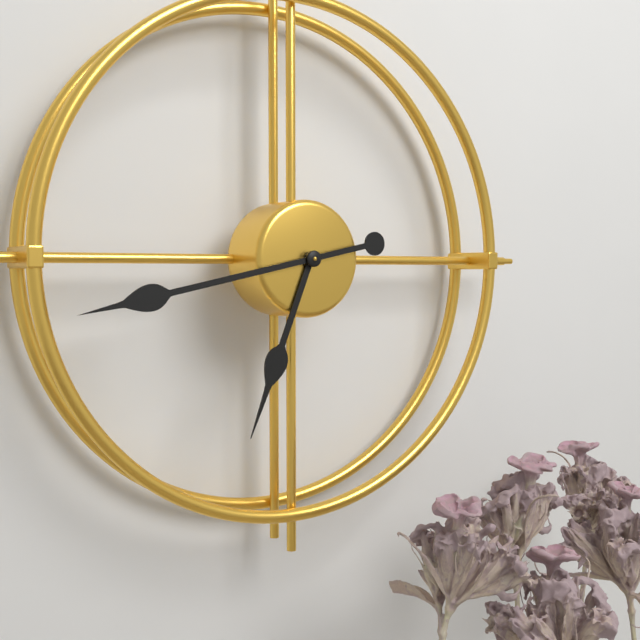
6:43
